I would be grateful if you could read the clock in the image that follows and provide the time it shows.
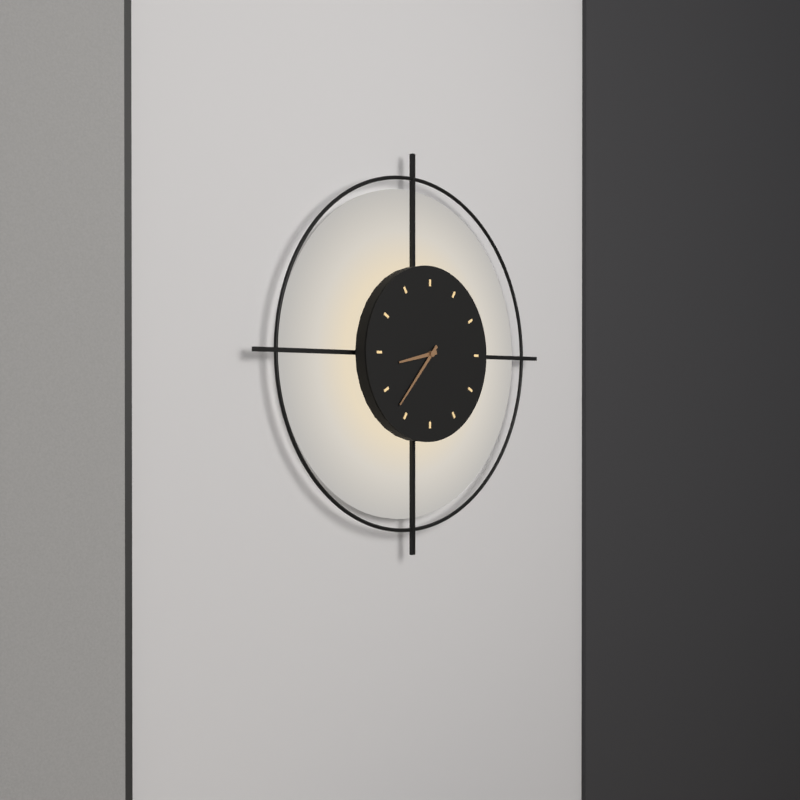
8:37
